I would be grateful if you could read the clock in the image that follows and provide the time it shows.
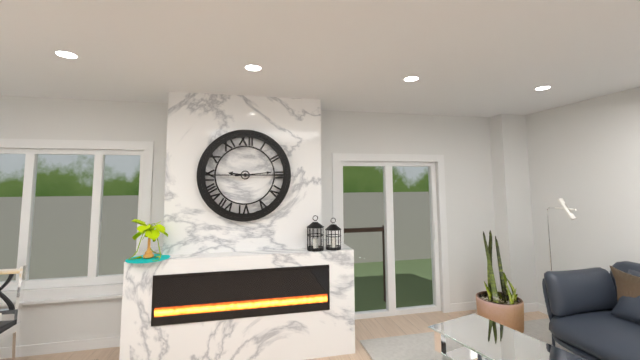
9:14
